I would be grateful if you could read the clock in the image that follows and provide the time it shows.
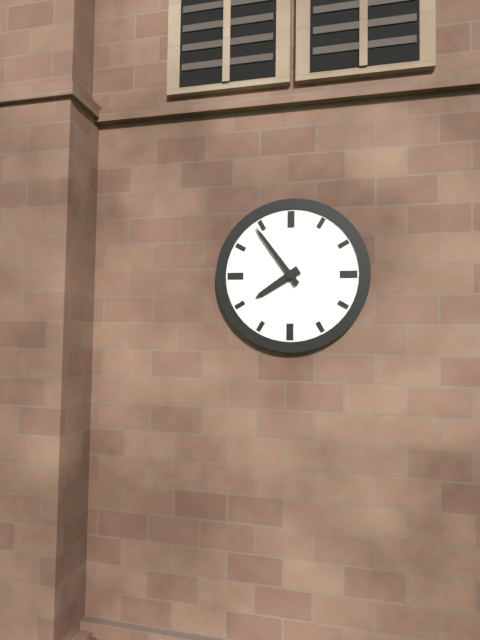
7:54
